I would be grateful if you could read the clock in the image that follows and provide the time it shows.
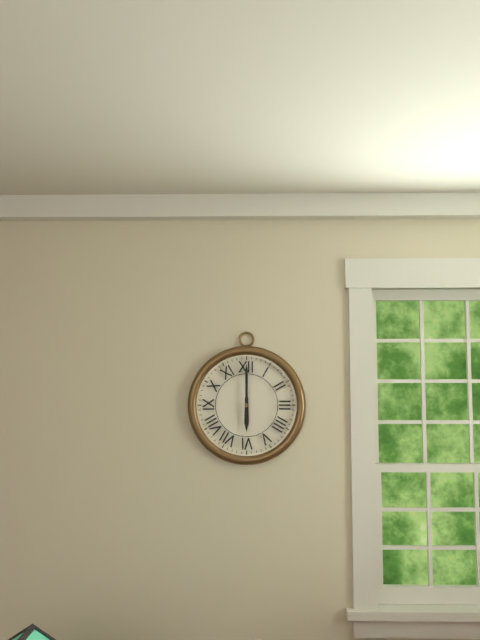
6:00
